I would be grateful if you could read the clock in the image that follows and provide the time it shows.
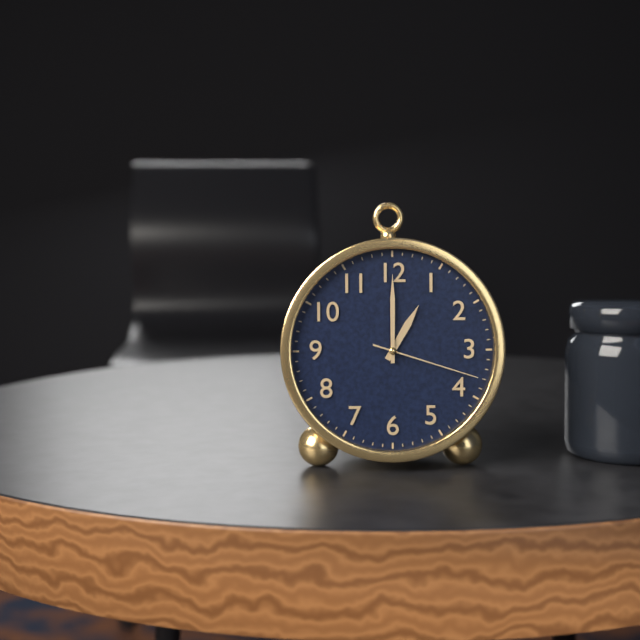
1:00:18
